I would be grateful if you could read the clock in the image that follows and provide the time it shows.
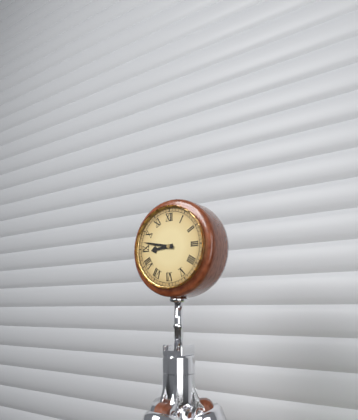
8:47
